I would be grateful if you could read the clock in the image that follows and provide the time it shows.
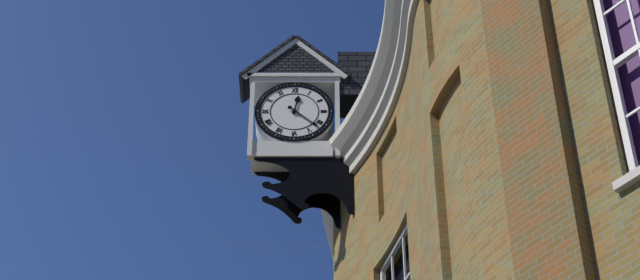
12:22
